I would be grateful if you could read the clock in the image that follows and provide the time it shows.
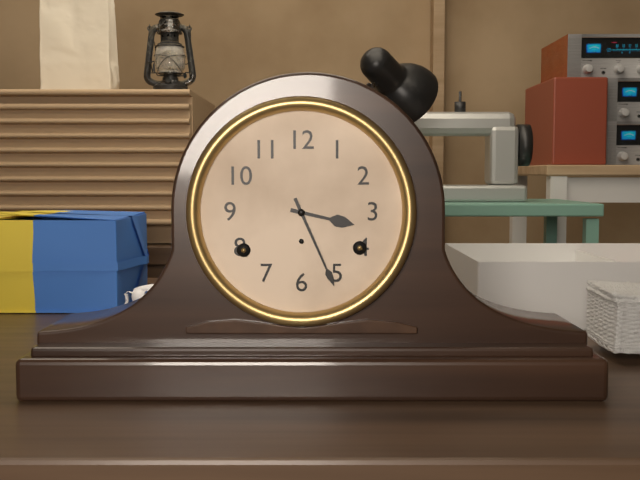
3:26
